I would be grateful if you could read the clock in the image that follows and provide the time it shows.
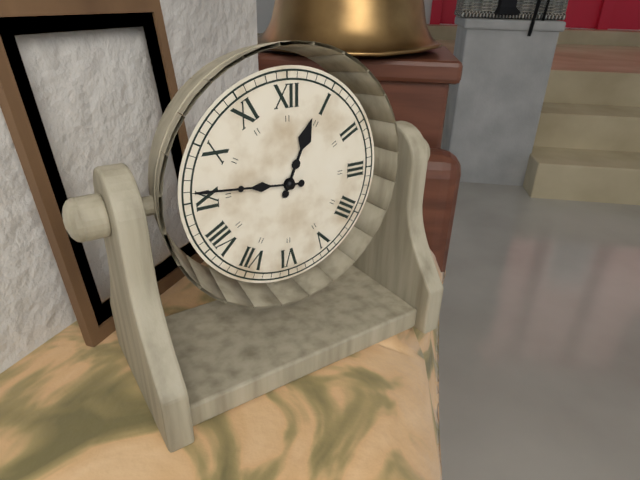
12:46
